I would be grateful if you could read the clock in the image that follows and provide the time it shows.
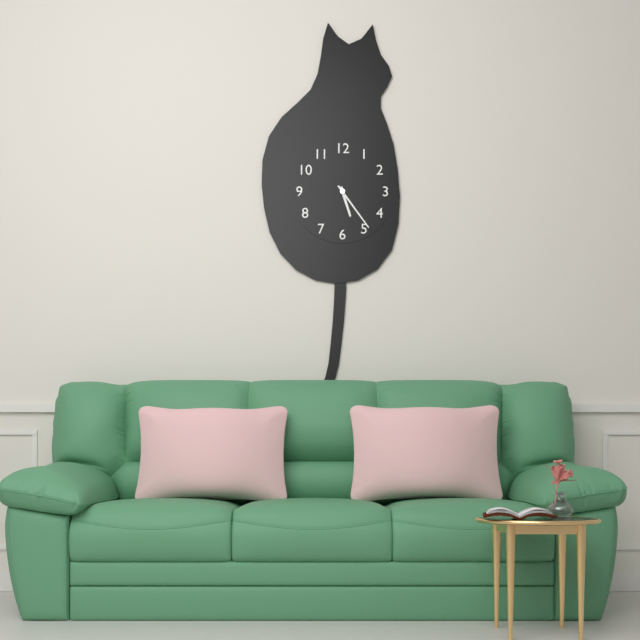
5:24
